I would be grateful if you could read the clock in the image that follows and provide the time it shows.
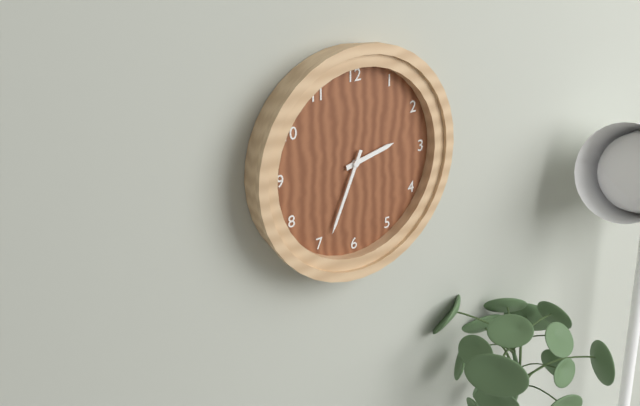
2:34
